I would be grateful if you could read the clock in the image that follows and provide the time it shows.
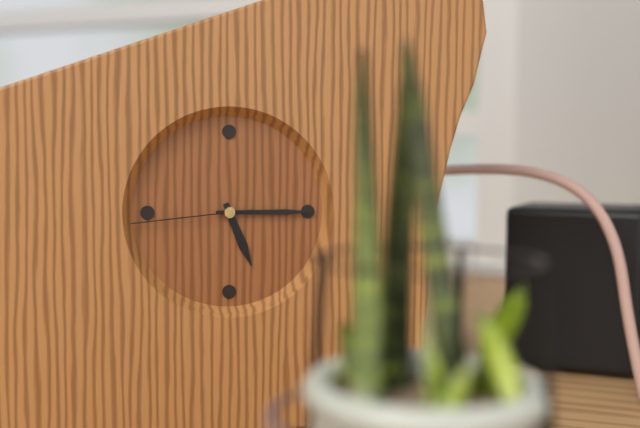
5:15:44
